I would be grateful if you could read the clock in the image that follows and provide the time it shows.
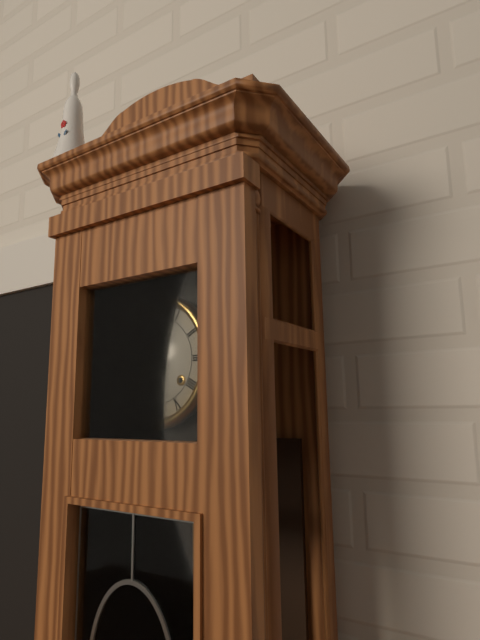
10:53
